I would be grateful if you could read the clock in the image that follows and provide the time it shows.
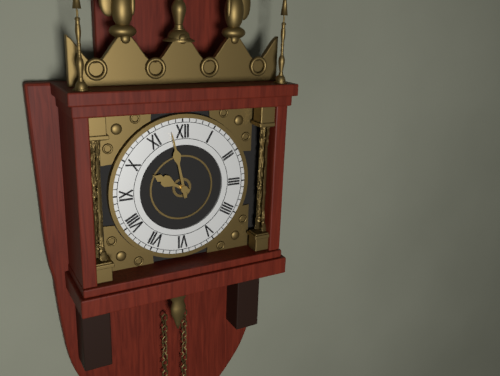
9:58
